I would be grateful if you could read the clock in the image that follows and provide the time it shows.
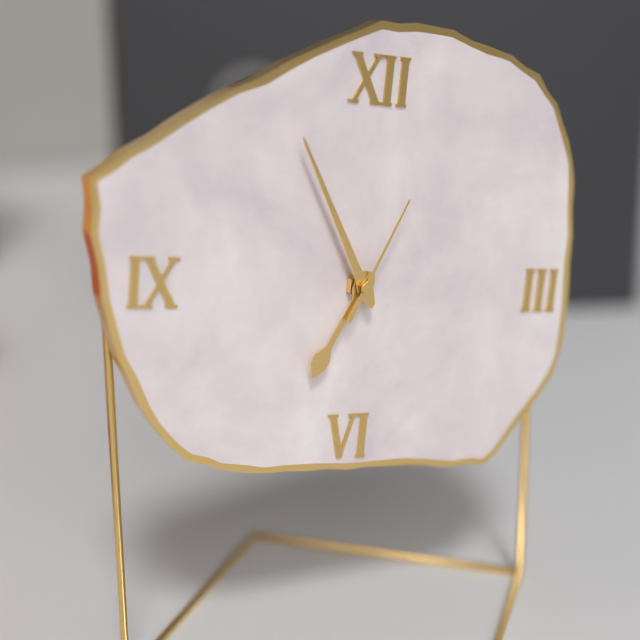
6:55:04
